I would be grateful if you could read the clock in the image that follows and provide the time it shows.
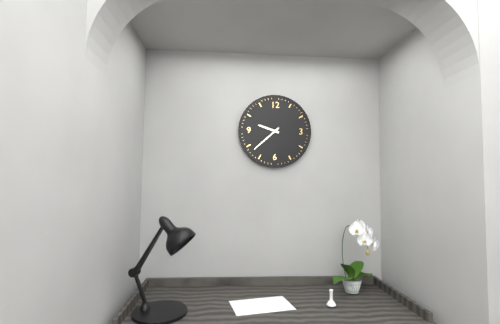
9:38
